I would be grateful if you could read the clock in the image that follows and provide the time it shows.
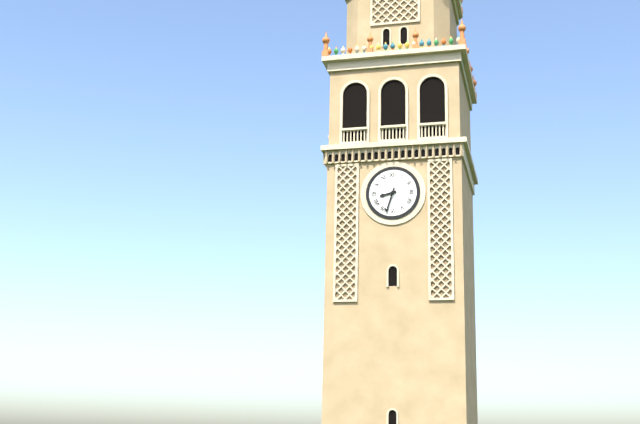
8:33
